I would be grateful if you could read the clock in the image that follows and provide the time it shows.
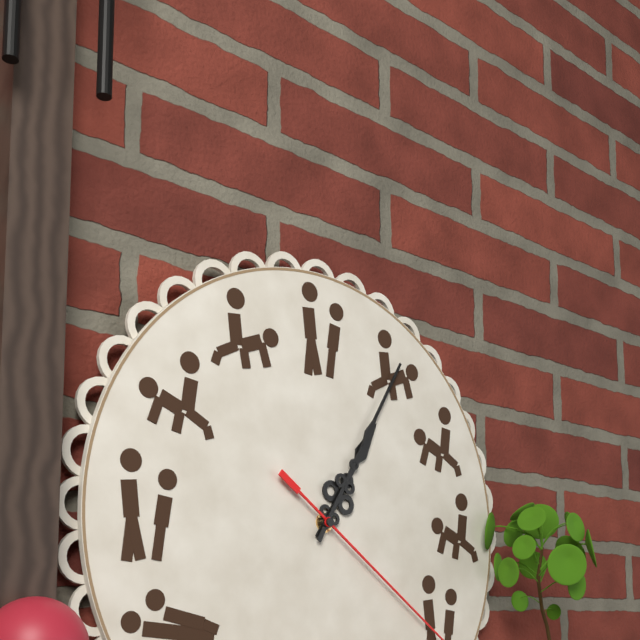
1:05
